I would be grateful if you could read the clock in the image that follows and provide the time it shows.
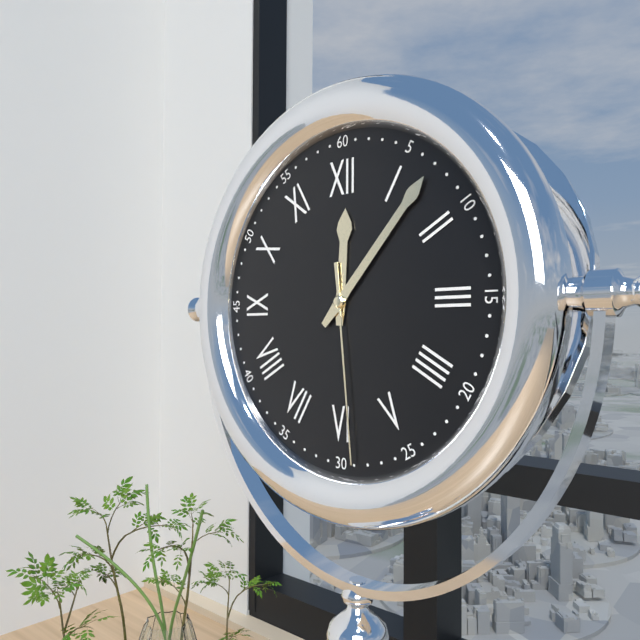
12:07:29
